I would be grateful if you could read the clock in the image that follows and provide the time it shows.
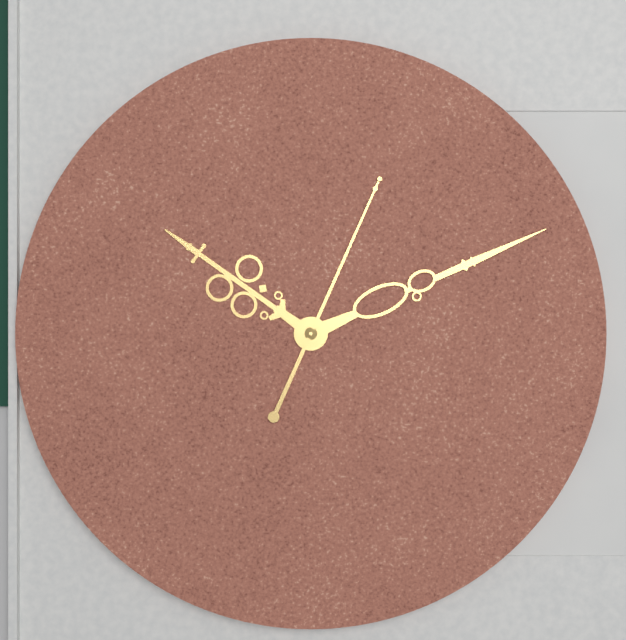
10:11:04
